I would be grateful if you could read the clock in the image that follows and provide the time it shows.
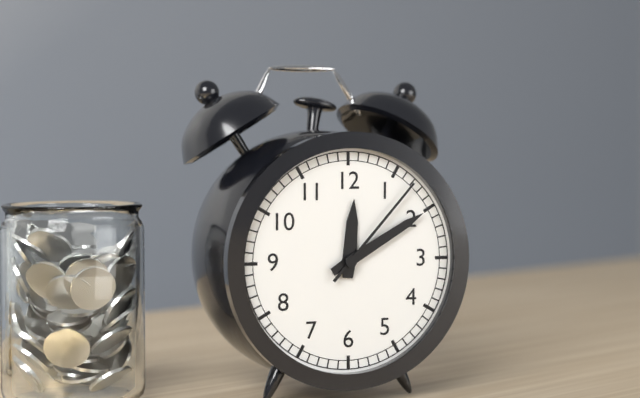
12:10:07
